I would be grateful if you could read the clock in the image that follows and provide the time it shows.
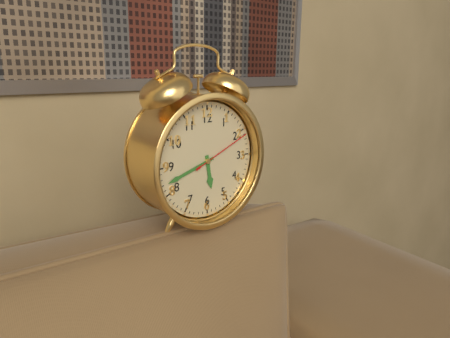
5:42:11
